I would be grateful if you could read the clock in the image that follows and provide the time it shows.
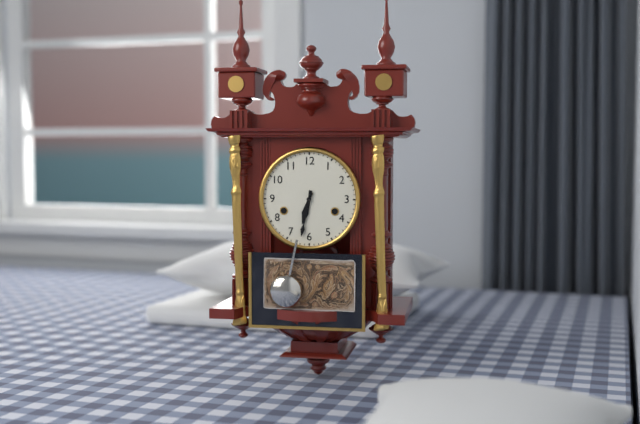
6:32
